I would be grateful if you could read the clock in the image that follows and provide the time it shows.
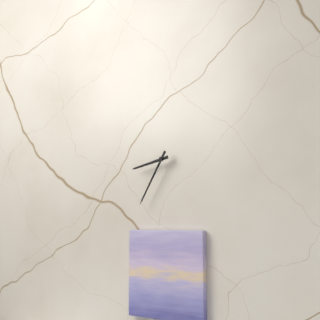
8:35
